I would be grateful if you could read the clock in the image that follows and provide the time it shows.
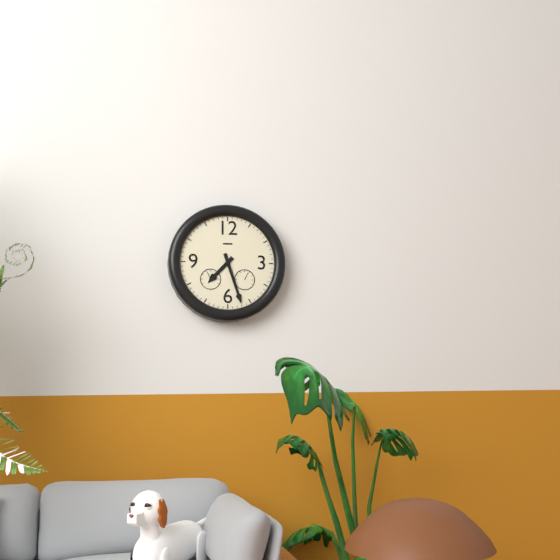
7:27
